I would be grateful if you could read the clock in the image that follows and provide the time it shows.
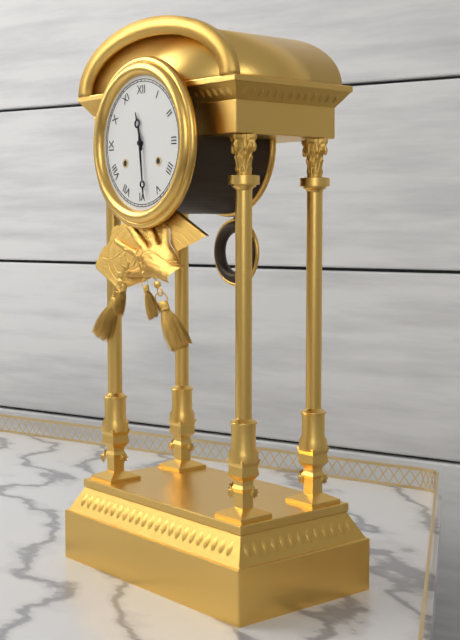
11:29
